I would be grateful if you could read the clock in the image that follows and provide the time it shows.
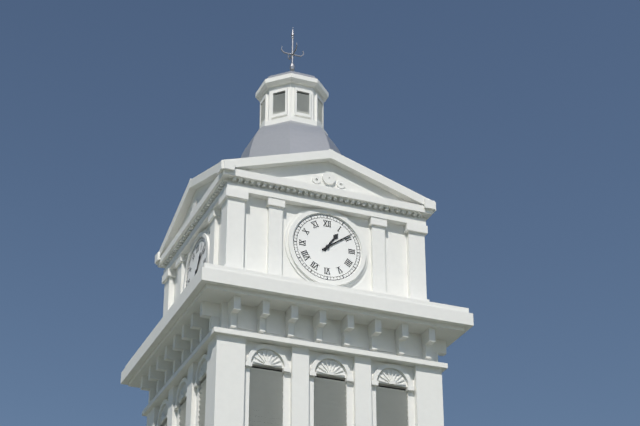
1:09
